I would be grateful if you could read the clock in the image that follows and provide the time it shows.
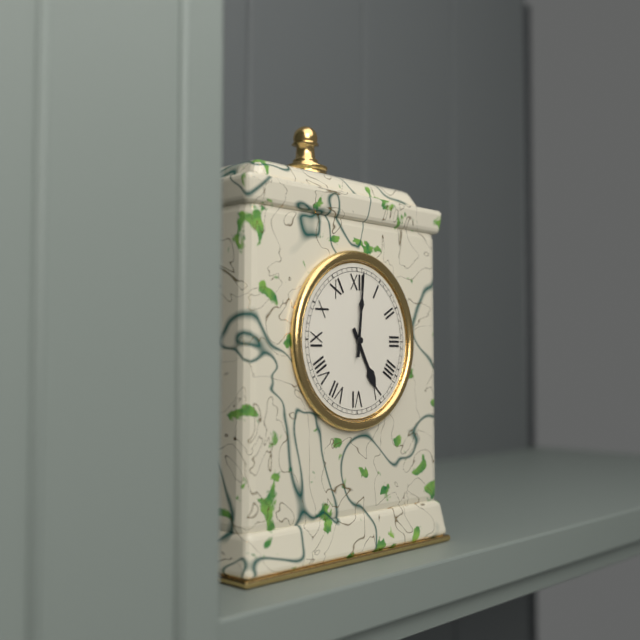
5:01
